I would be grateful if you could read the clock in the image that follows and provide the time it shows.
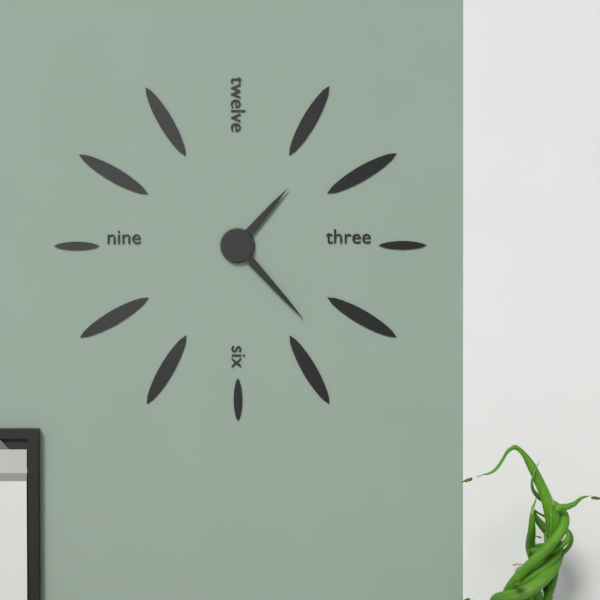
1:23
